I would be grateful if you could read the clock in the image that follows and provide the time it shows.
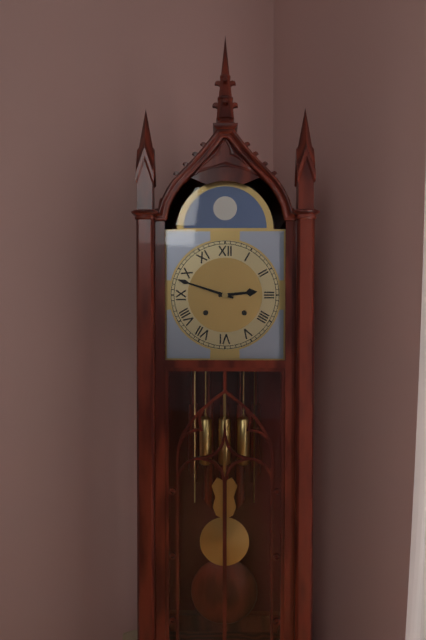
2:48
